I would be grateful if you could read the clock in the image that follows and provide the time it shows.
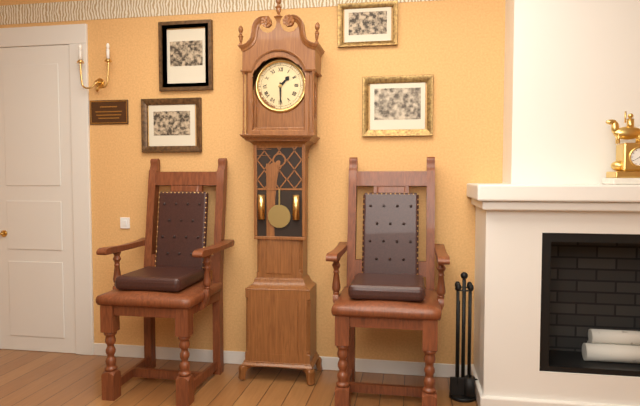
1:30
